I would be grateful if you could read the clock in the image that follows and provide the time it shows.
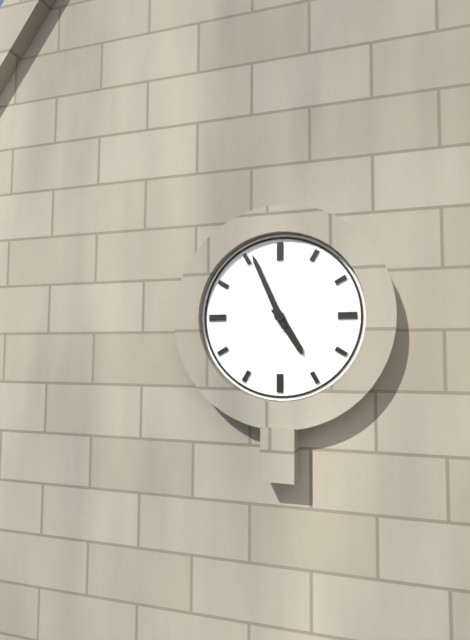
4:56
